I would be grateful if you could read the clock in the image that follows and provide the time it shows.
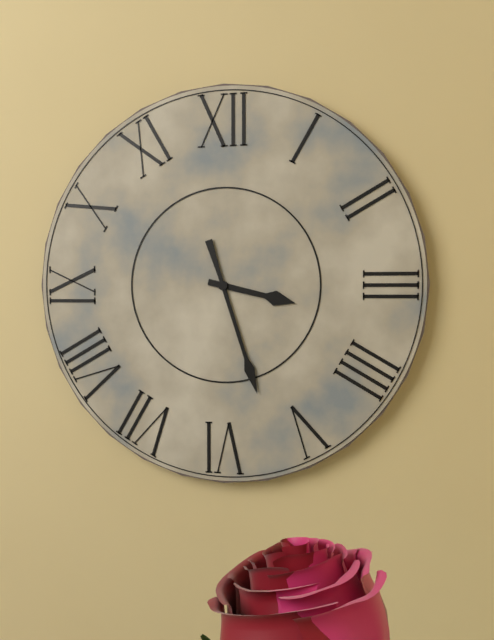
3:27
